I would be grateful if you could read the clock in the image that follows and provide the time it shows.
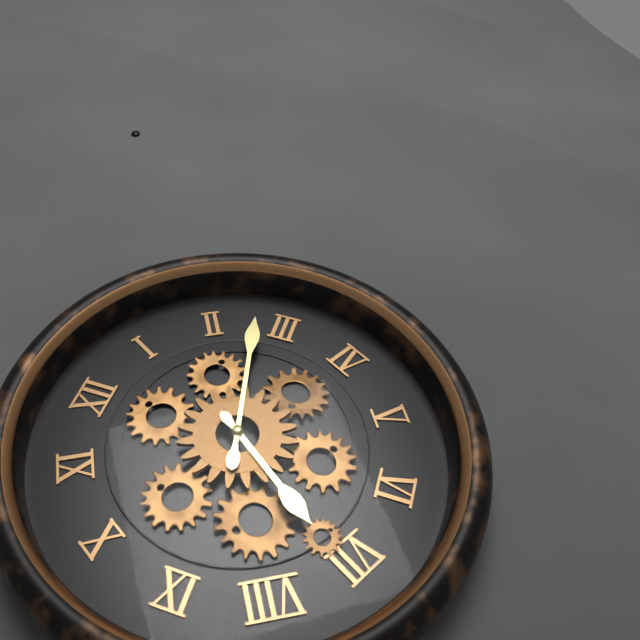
7:13
